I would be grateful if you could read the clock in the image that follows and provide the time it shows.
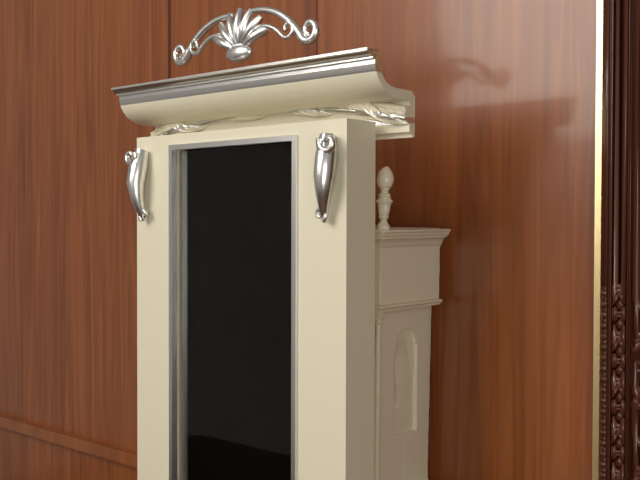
4:23
